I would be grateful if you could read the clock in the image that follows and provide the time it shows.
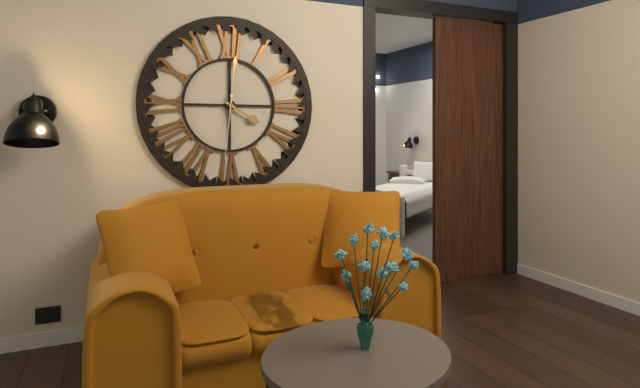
4:01:31
